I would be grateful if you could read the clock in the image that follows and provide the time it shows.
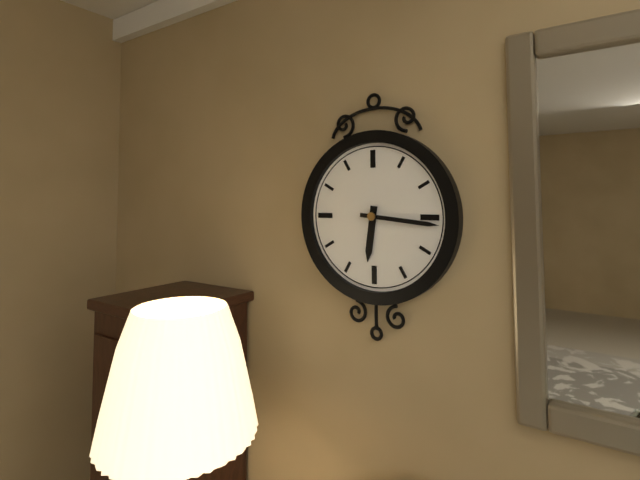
6:16
